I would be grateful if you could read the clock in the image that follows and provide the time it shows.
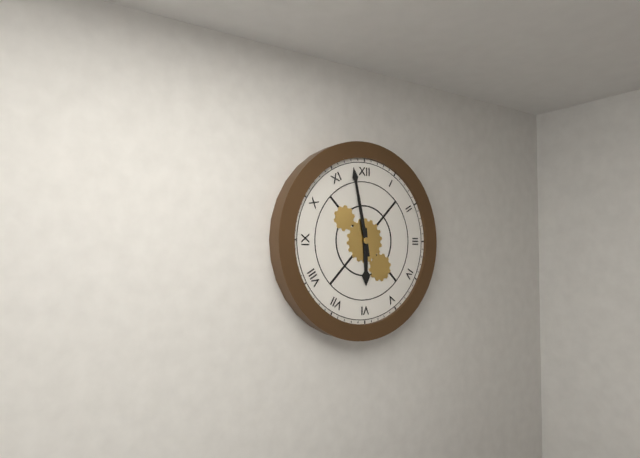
5:58
